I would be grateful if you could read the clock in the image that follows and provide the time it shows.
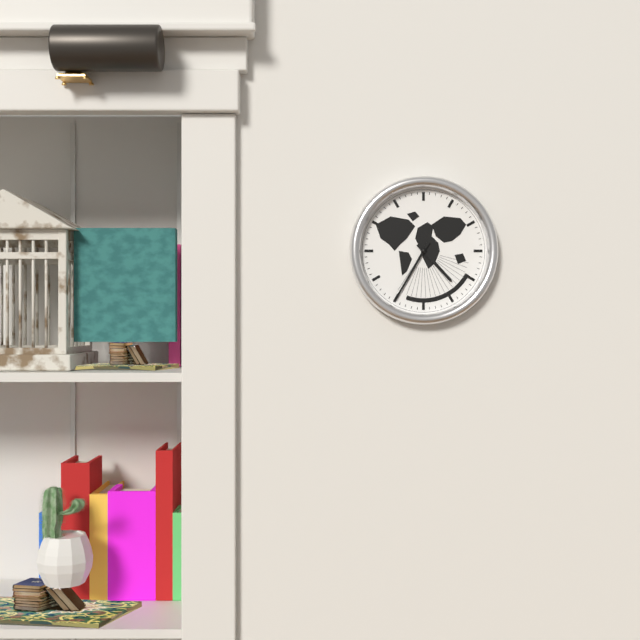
4:35
